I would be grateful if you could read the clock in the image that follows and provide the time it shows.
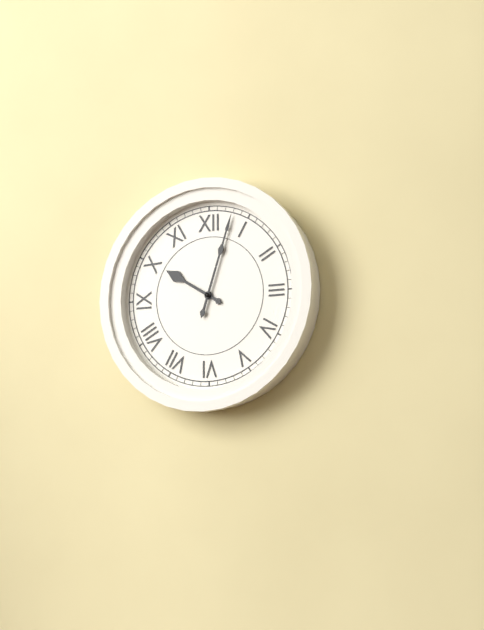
10:03
